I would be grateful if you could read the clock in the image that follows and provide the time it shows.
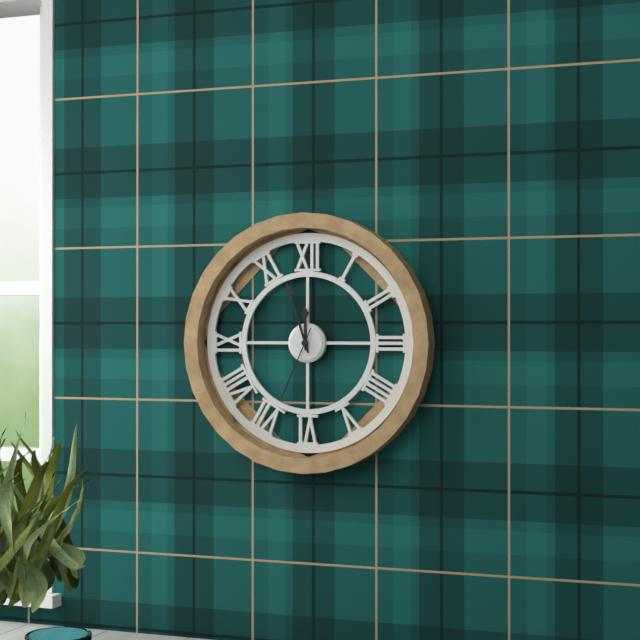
11:57:34
